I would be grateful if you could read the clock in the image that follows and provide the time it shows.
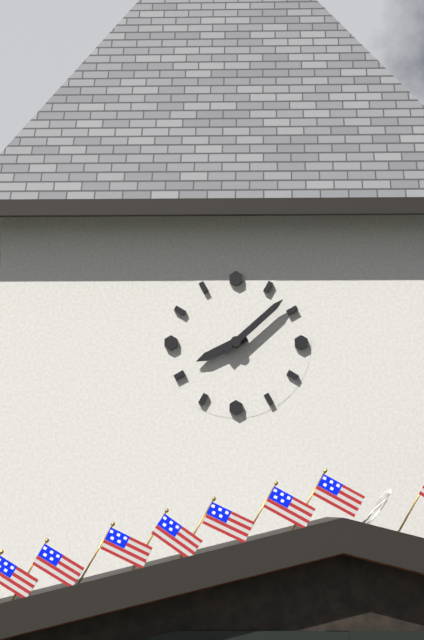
8:08
